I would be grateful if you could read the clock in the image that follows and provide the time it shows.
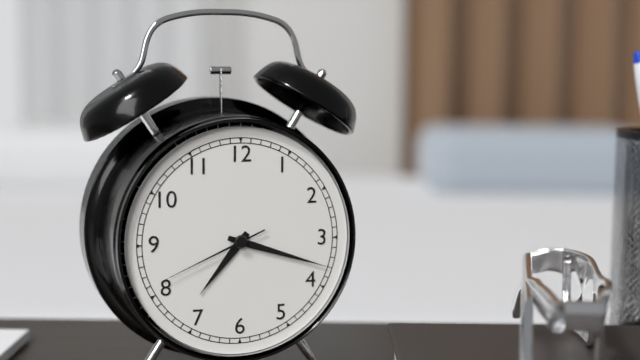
7:18:41
